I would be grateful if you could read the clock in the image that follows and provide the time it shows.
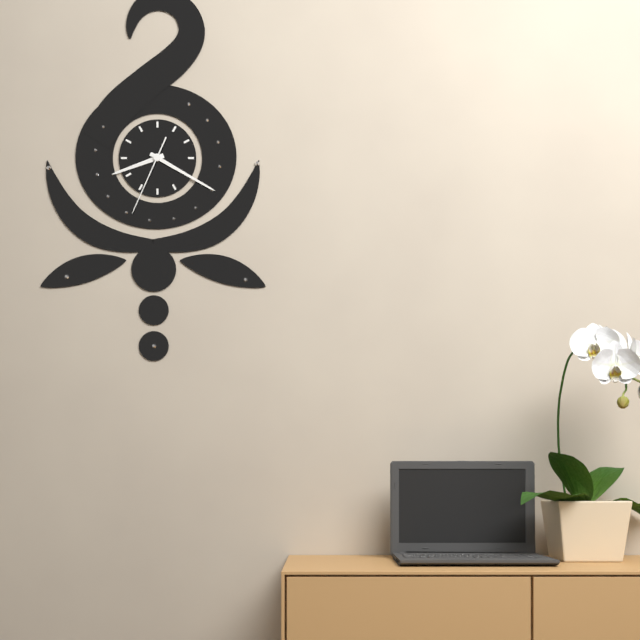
8:20:34
